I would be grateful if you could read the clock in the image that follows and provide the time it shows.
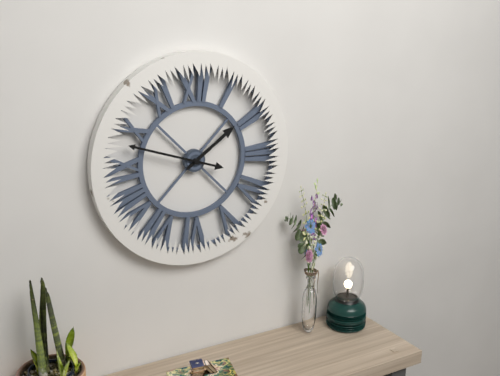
1:48
